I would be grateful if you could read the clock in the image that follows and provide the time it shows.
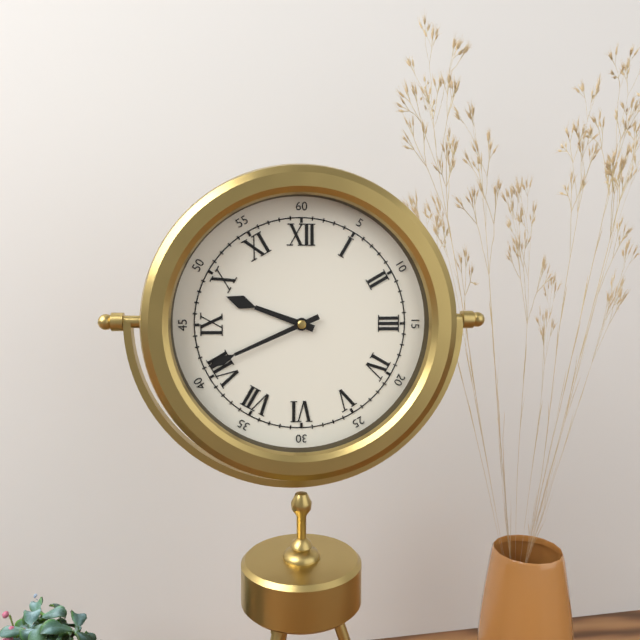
9:41
